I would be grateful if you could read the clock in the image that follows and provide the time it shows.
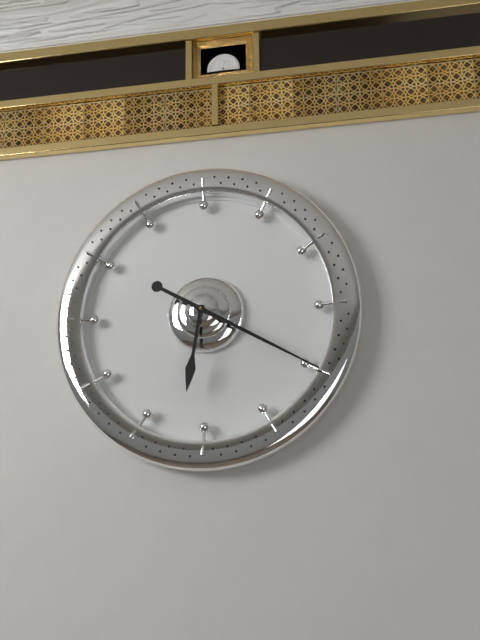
6:20
